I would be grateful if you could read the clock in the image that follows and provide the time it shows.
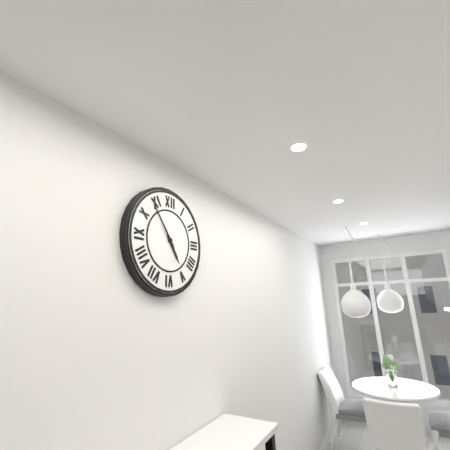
4:54
